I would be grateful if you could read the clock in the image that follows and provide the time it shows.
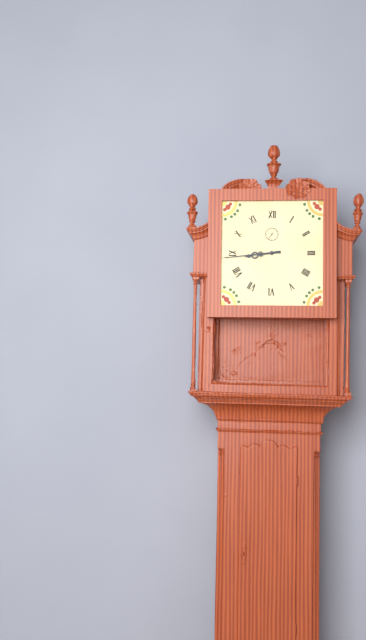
8:44
